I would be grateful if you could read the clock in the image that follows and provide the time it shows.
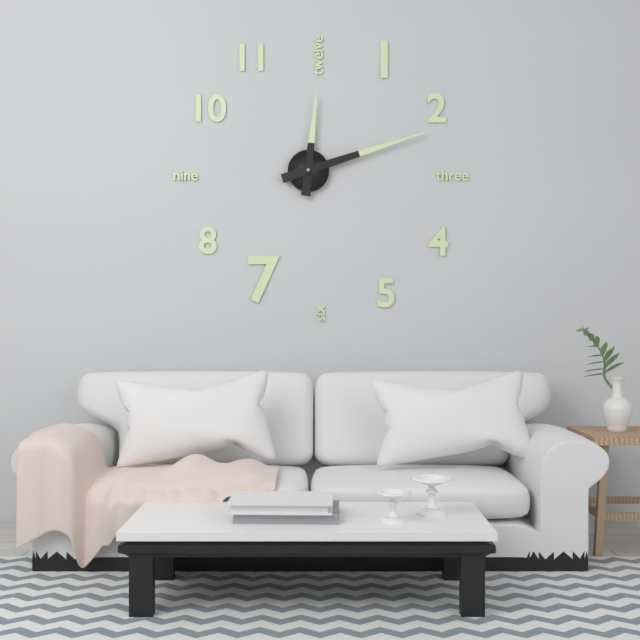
12:12
